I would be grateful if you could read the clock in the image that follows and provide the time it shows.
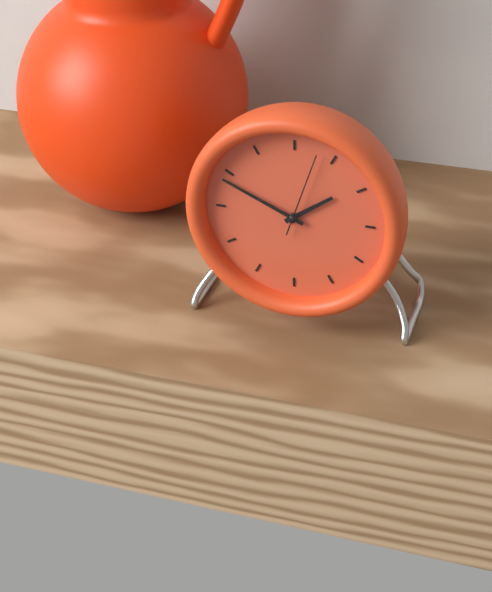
1:49:03
